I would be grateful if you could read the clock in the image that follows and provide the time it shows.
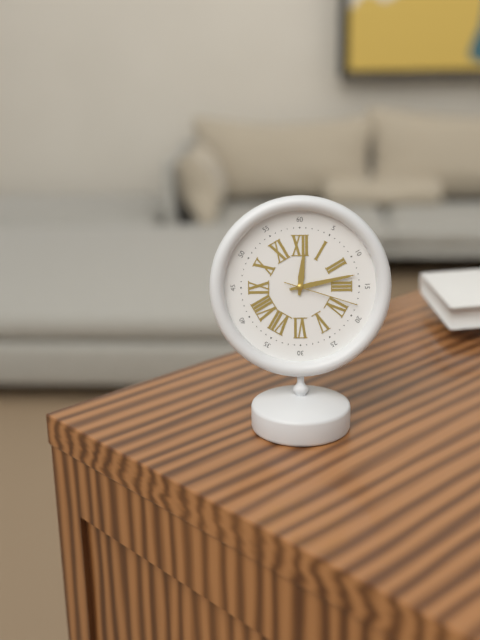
12:13:18
